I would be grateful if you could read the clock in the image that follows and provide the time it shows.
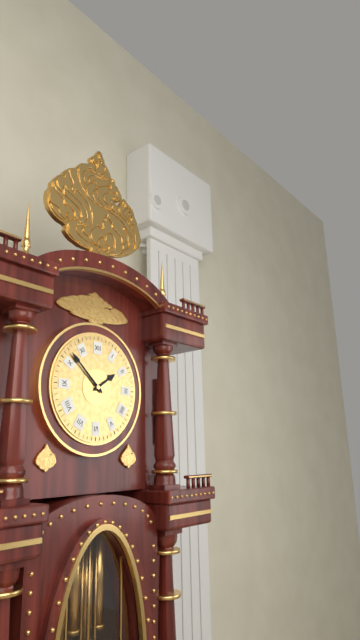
1:52
